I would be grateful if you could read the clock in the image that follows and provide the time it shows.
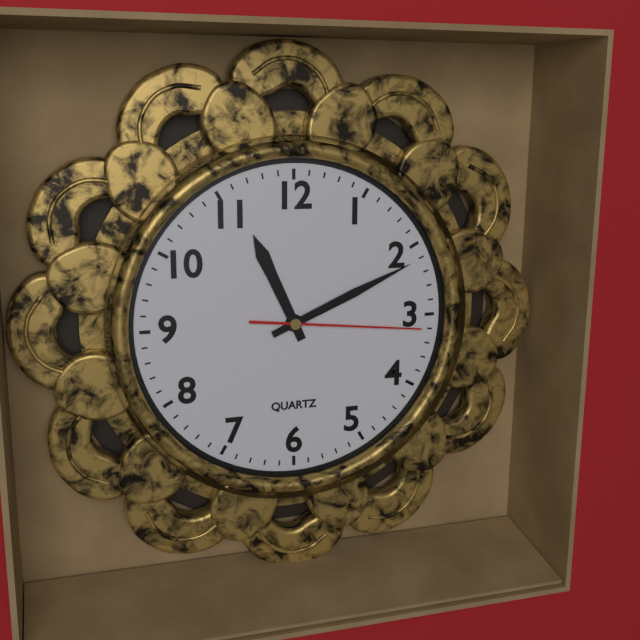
11:11:16
